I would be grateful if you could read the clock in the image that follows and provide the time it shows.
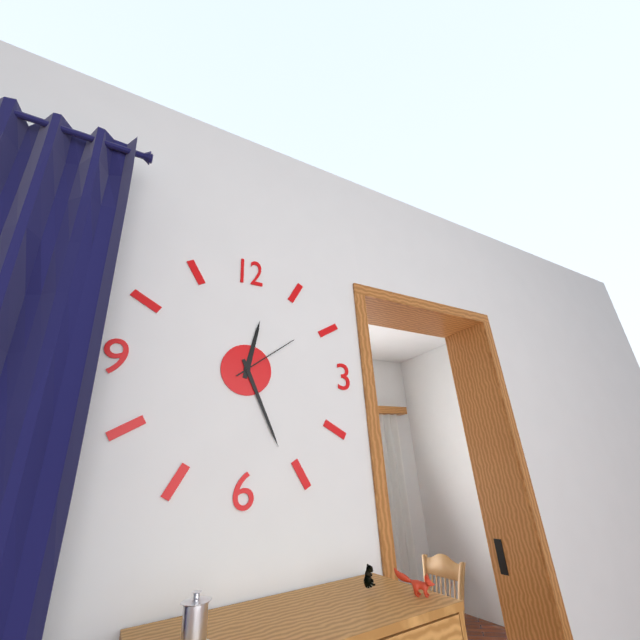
12:26:09
